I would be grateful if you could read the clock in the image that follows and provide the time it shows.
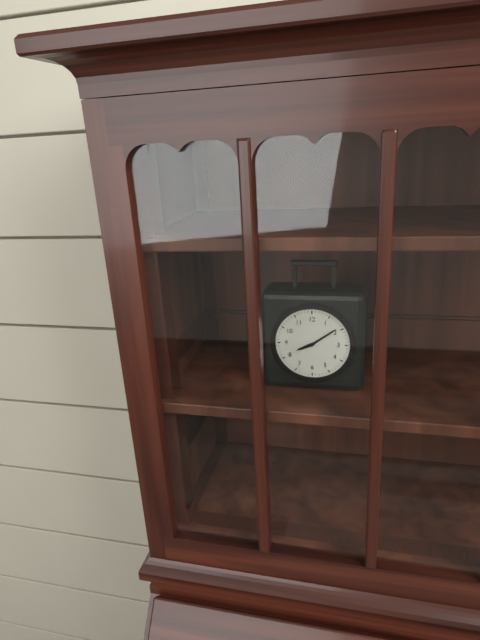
8:09
